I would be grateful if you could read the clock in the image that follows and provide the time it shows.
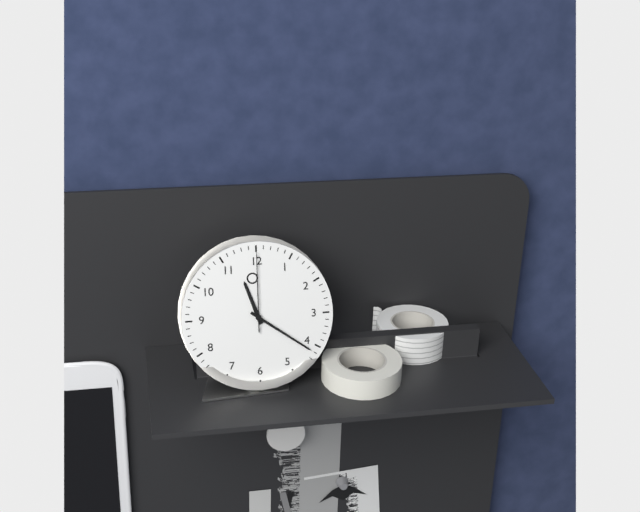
11:21:00
